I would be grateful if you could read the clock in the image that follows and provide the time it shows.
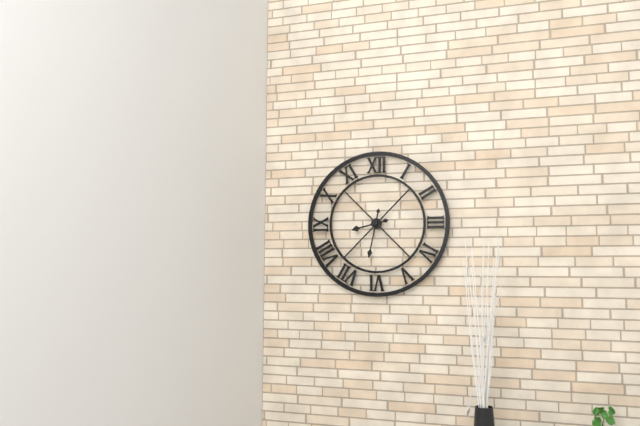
8:32
